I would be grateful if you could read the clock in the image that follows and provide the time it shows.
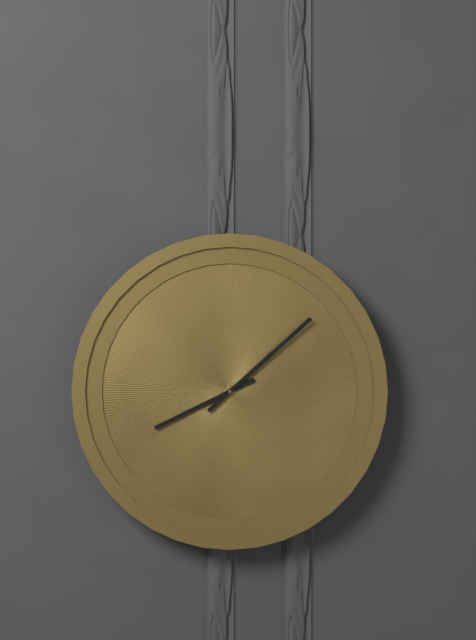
8:08
